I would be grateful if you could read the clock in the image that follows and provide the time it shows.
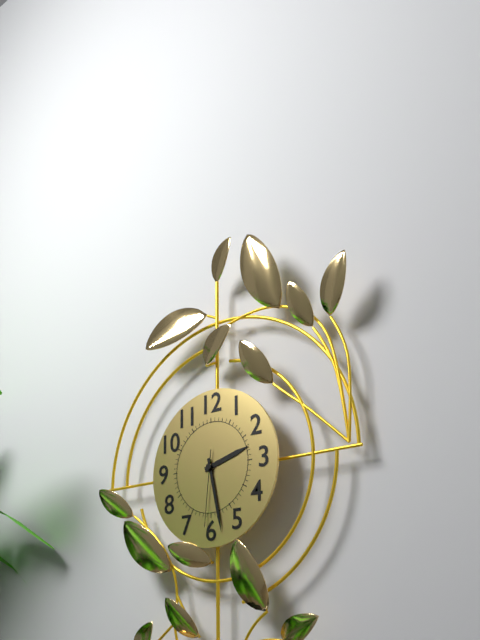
2:28:31
